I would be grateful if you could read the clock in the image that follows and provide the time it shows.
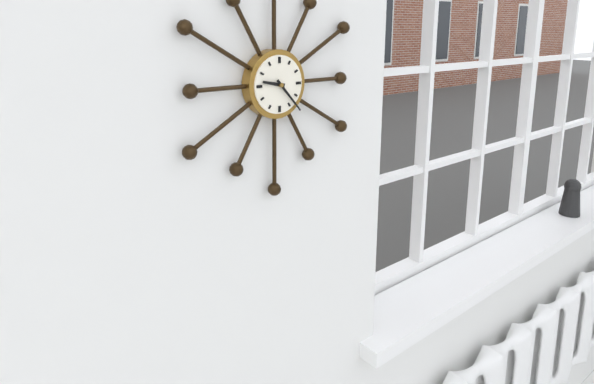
9:23
